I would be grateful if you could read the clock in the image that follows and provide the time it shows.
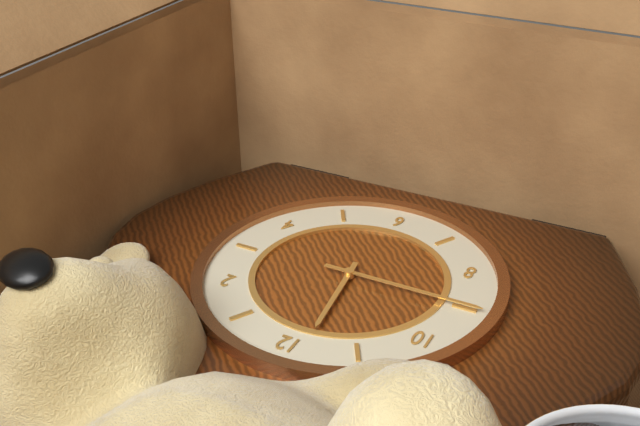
11:45
